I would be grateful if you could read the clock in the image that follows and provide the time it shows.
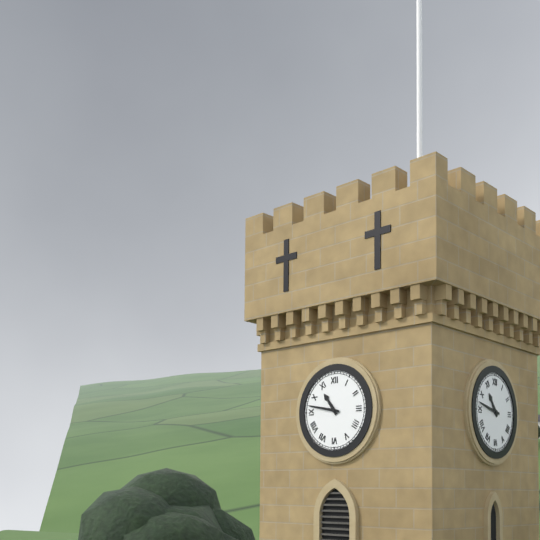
10:47
